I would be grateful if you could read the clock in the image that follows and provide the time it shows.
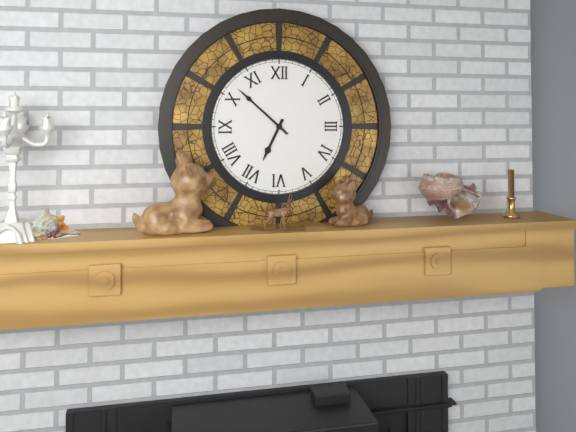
6:52
